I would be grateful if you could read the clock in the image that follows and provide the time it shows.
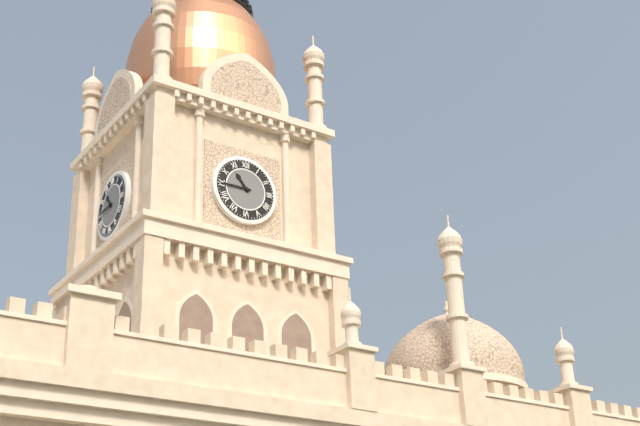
10:45
